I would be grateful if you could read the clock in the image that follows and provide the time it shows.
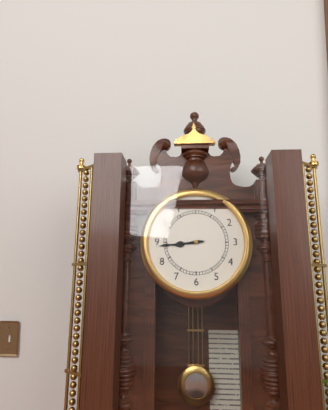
8:44
